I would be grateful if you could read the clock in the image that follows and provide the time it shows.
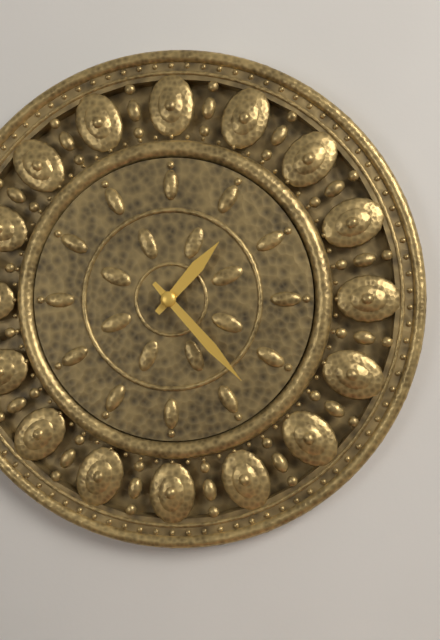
1:23
